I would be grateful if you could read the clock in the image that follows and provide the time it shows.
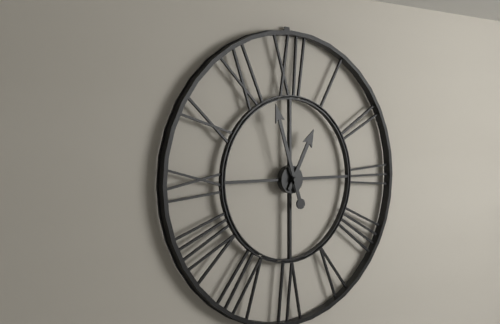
12:57
